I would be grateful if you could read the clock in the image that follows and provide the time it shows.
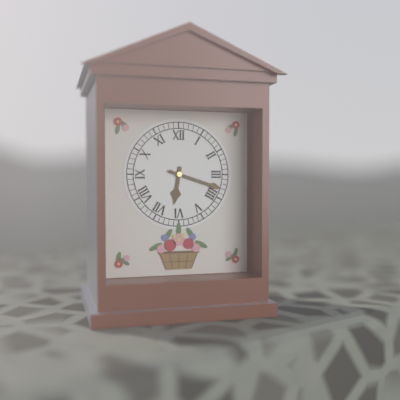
6:18
